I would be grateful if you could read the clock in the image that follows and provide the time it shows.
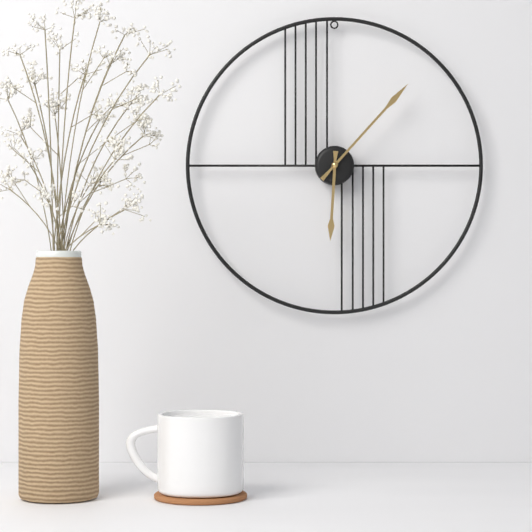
6:07
